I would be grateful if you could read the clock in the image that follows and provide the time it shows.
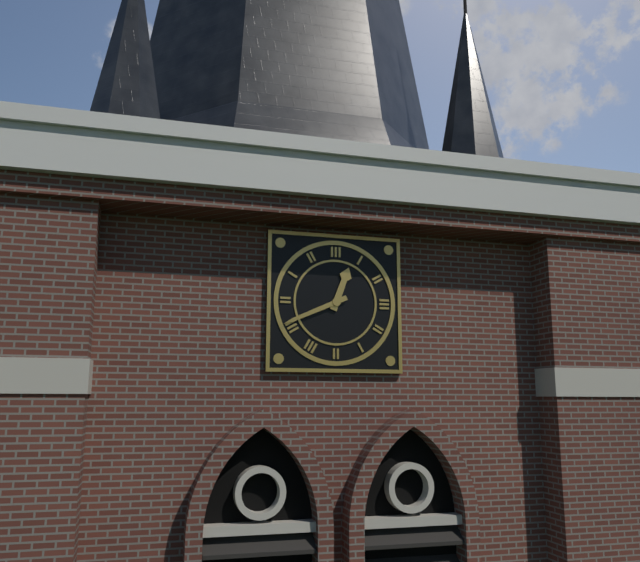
12:41
